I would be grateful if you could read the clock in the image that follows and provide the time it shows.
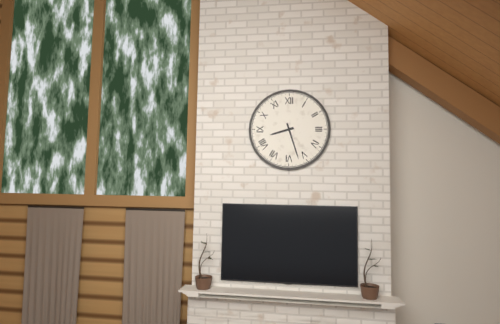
8:27
